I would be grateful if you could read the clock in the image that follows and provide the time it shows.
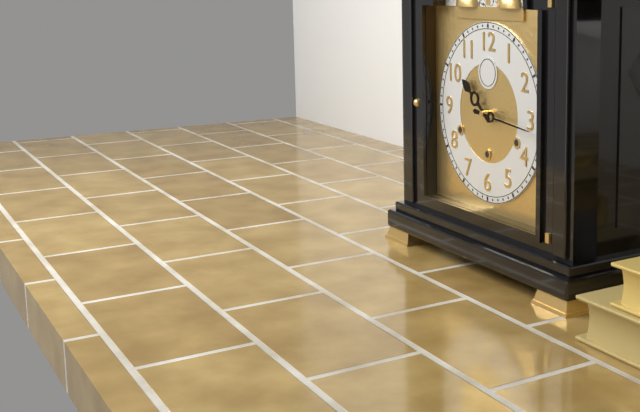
10:16
